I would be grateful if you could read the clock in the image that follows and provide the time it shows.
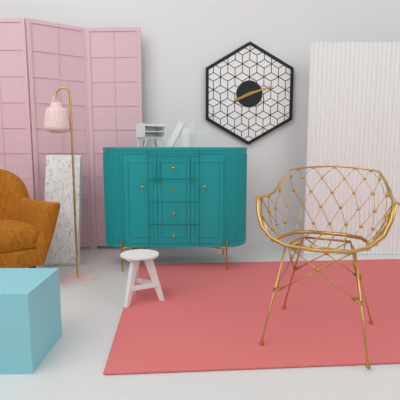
8:12
